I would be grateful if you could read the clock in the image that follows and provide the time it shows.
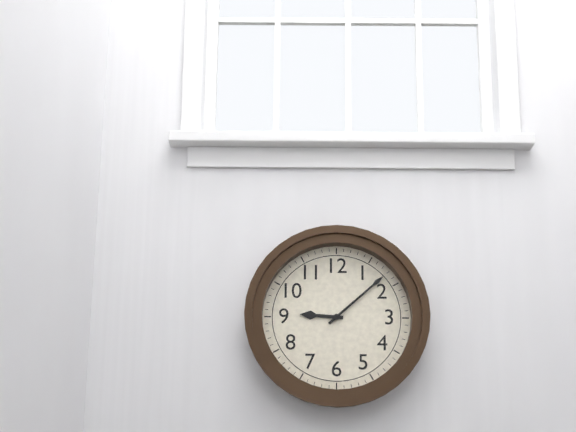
9:08
